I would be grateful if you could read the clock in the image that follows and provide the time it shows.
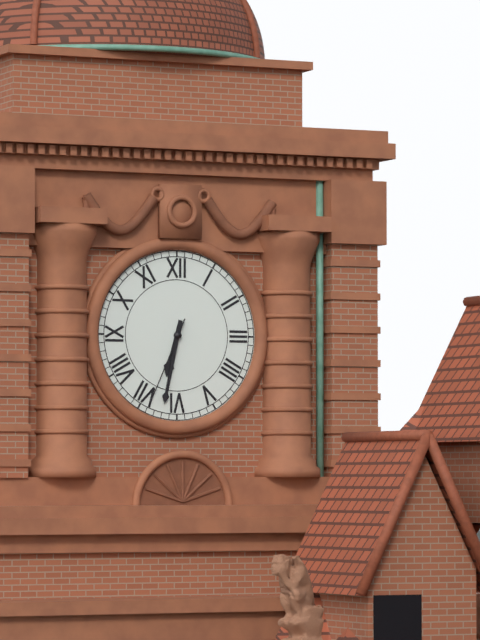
6:32:34
